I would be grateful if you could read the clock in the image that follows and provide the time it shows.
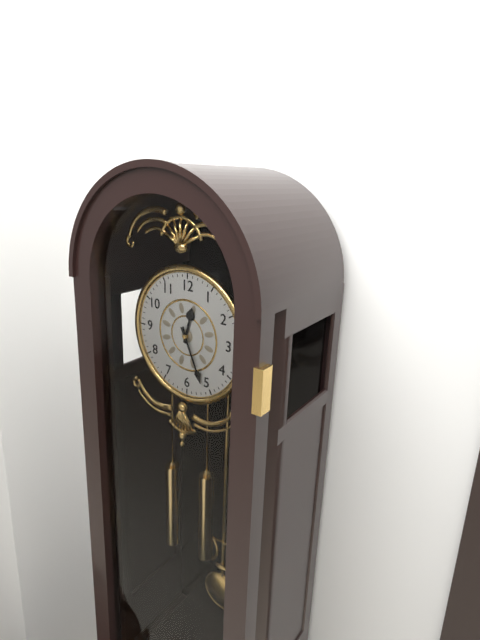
12:26
